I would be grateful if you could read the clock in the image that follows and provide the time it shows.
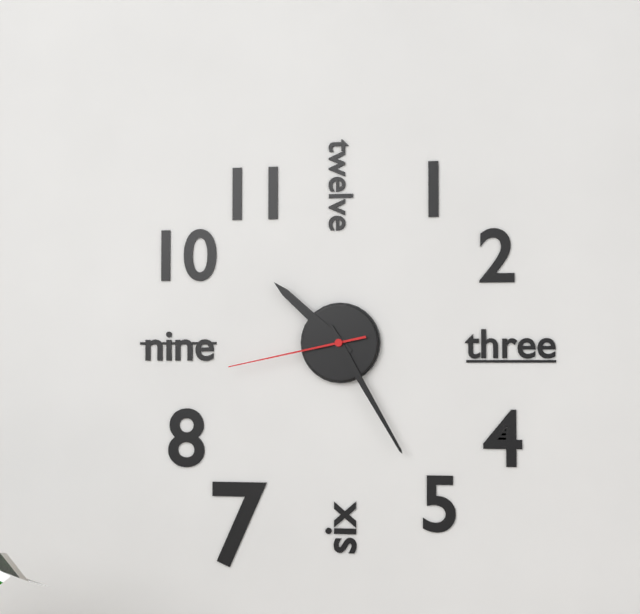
10:25:43
